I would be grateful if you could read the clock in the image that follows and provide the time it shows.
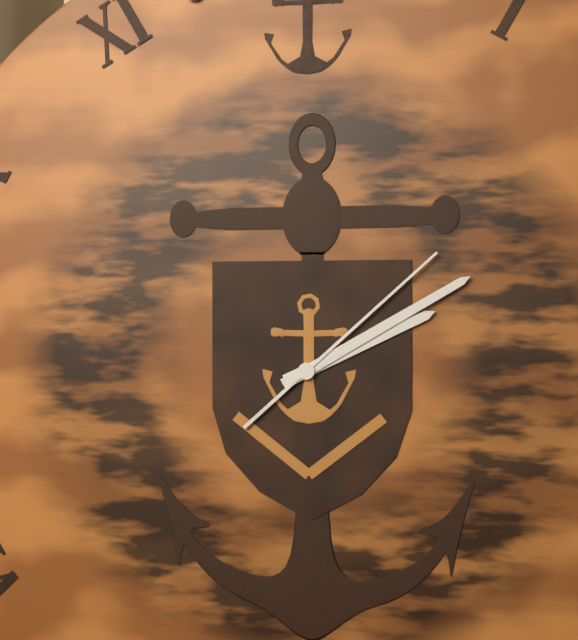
2:10:08
